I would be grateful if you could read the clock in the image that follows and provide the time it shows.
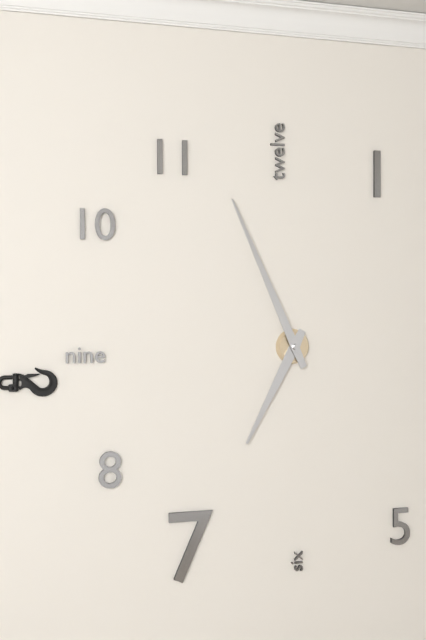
6:56
